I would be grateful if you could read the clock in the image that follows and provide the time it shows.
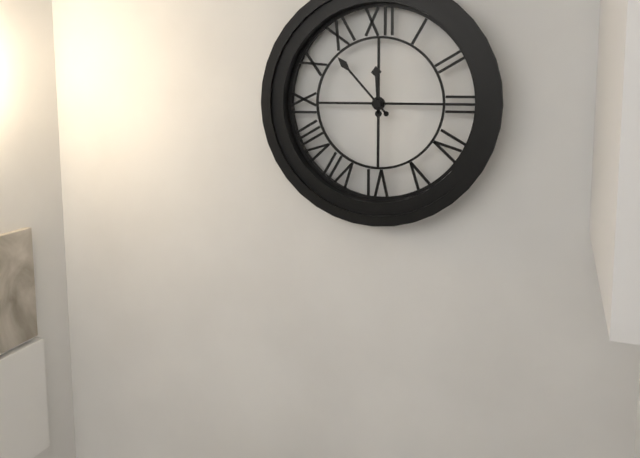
11:53
